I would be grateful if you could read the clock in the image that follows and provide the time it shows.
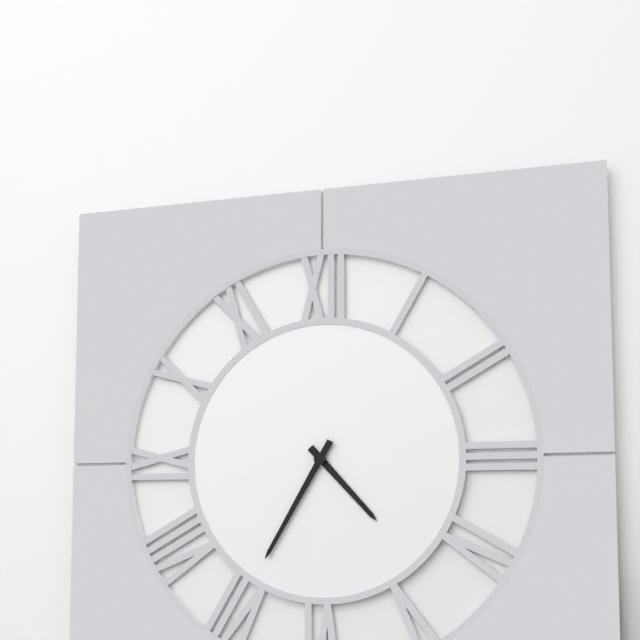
4:35
